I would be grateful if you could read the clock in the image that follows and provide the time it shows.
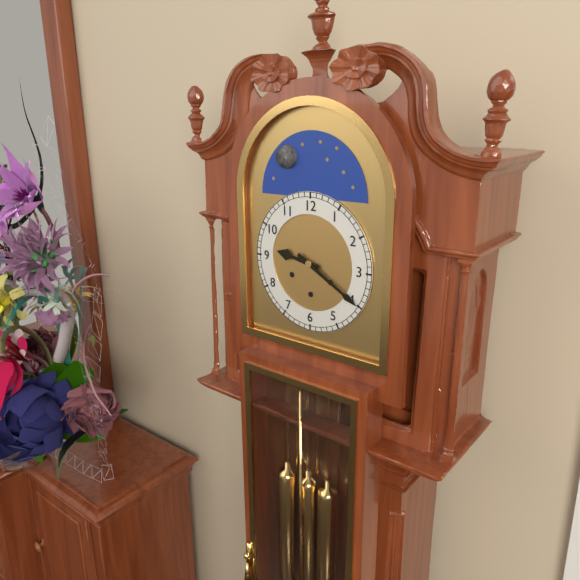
9:20
